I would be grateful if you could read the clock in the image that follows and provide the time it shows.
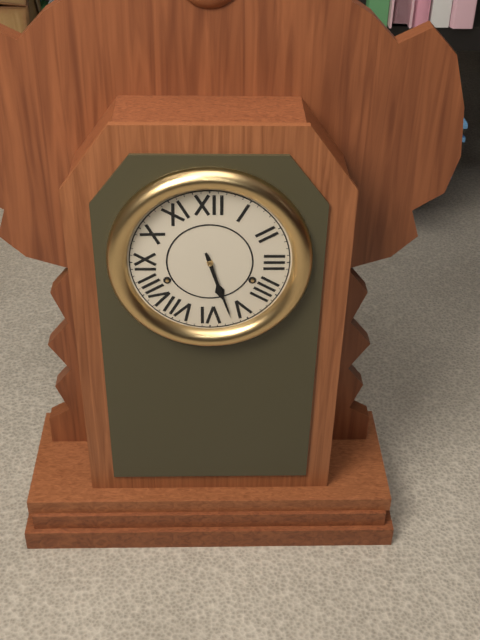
5:27
